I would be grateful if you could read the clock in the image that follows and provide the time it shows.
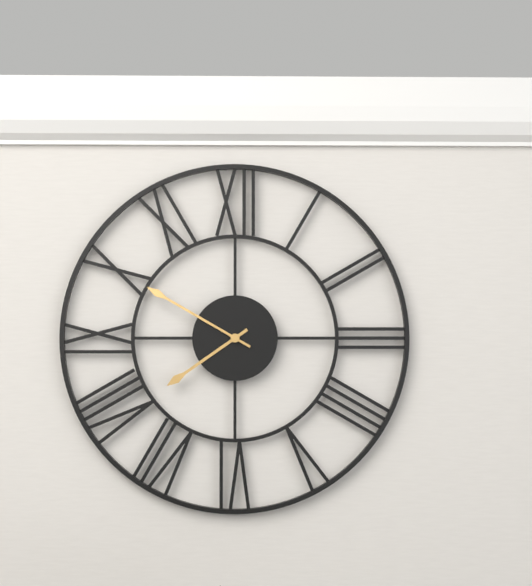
7:50
